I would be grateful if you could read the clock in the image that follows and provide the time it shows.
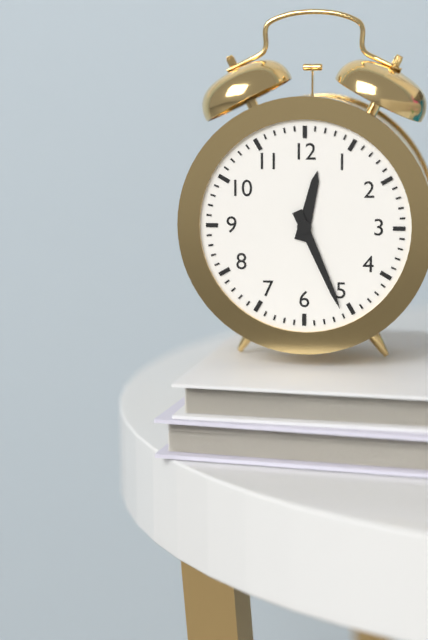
12:26
